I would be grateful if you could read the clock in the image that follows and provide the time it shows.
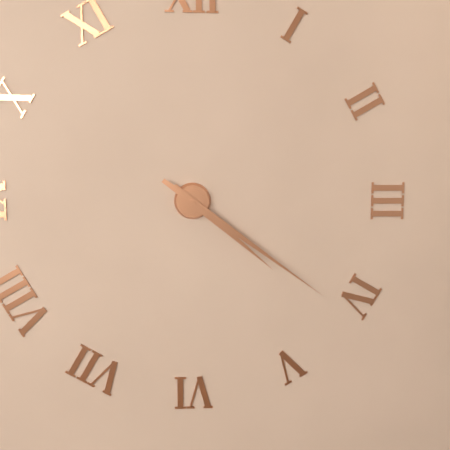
4:21
